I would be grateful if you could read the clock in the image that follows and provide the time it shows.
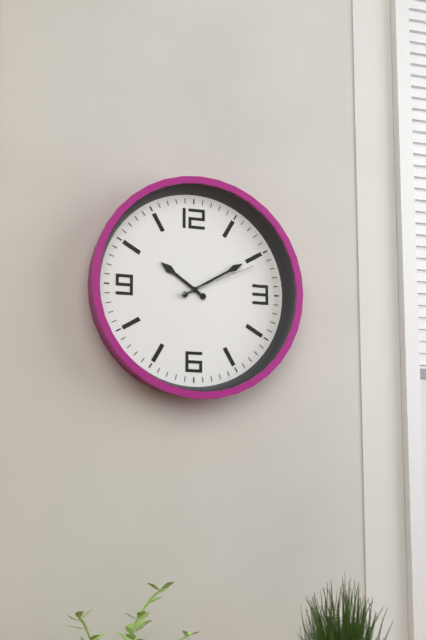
10:10:11
